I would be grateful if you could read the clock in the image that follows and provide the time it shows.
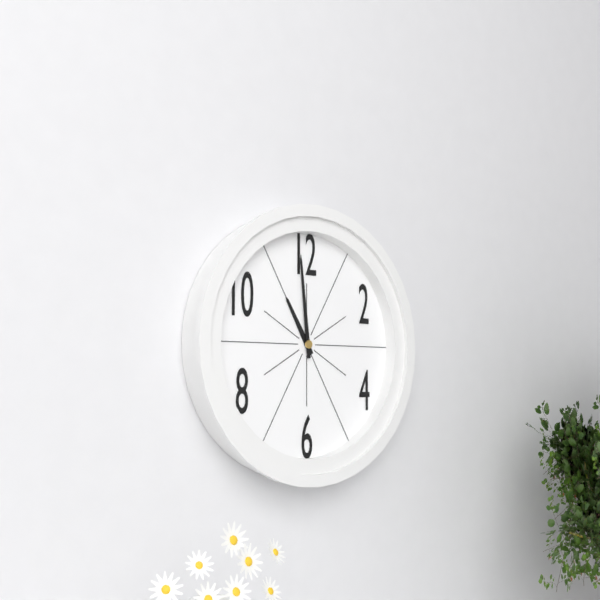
10:59
